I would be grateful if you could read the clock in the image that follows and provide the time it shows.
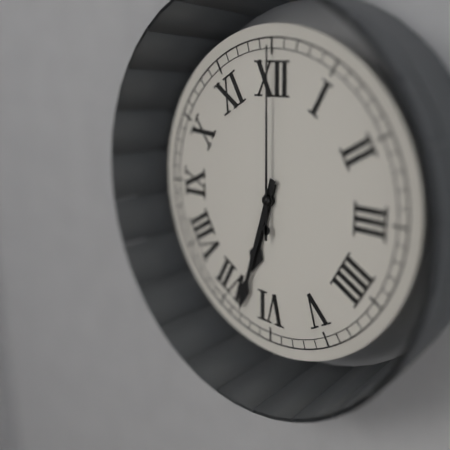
6:33:00
